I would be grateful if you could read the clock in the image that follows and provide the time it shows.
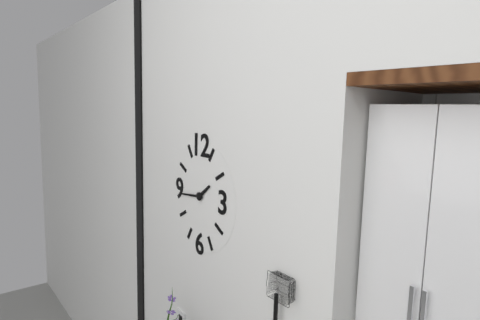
1:44
